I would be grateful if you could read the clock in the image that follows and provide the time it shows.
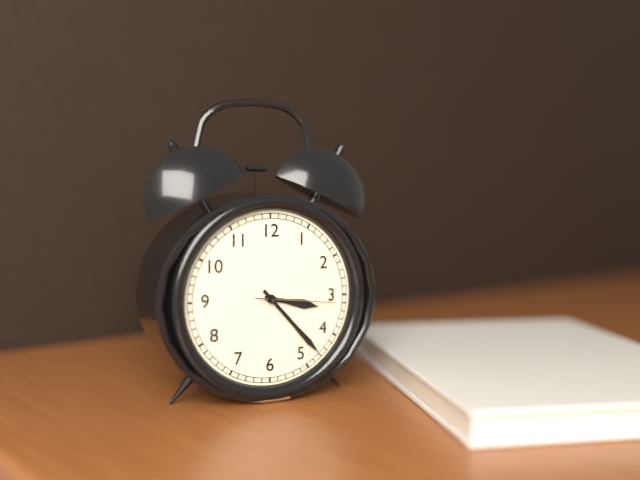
3:23:16
